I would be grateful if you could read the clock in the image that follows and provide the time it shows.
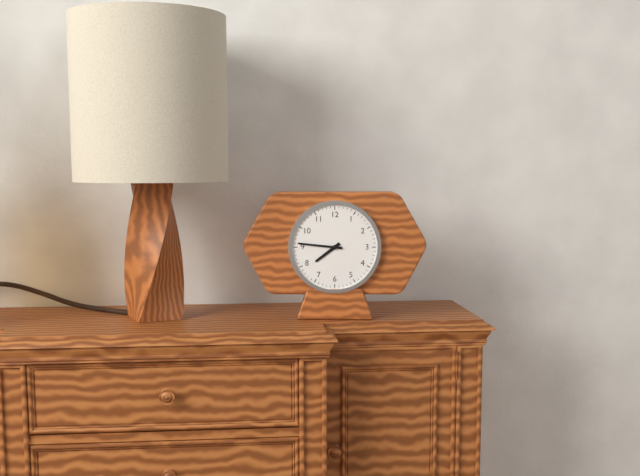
7:46
